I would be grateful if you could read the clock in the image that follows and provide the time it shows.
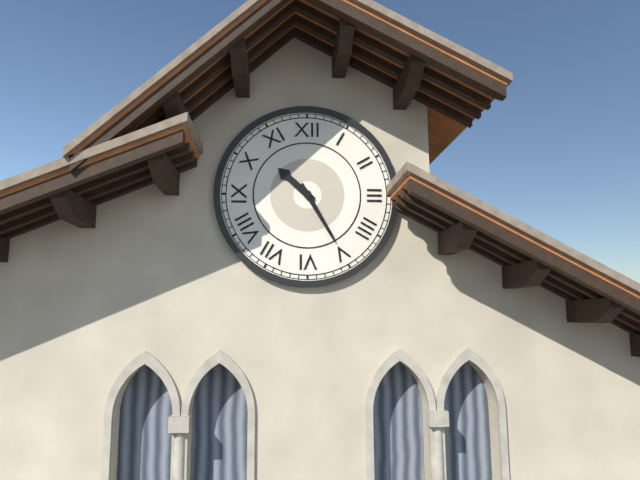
10:25
